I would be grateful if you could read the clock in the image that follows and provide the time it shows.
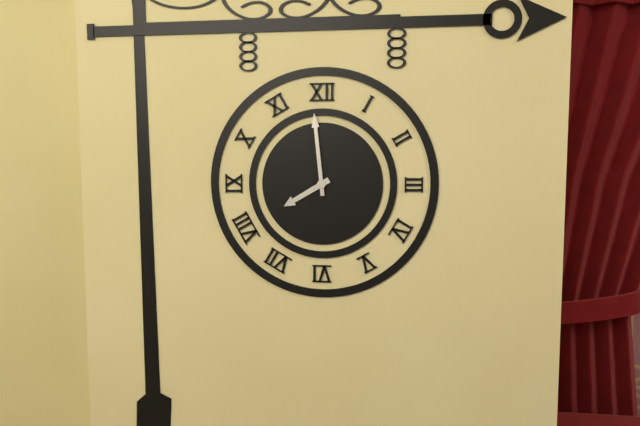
7:59
